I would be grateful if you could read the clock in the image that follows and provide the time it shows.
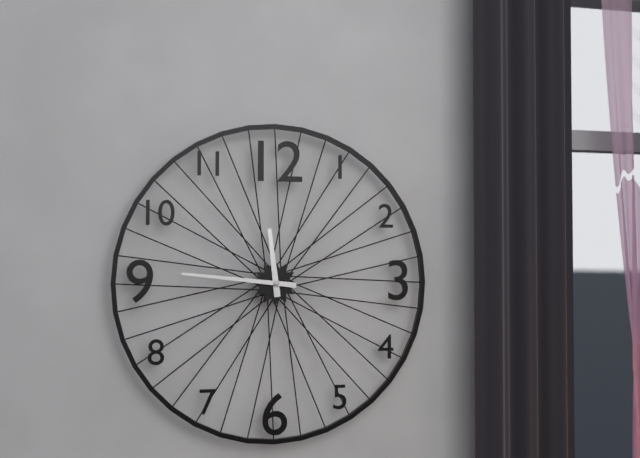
11:46
